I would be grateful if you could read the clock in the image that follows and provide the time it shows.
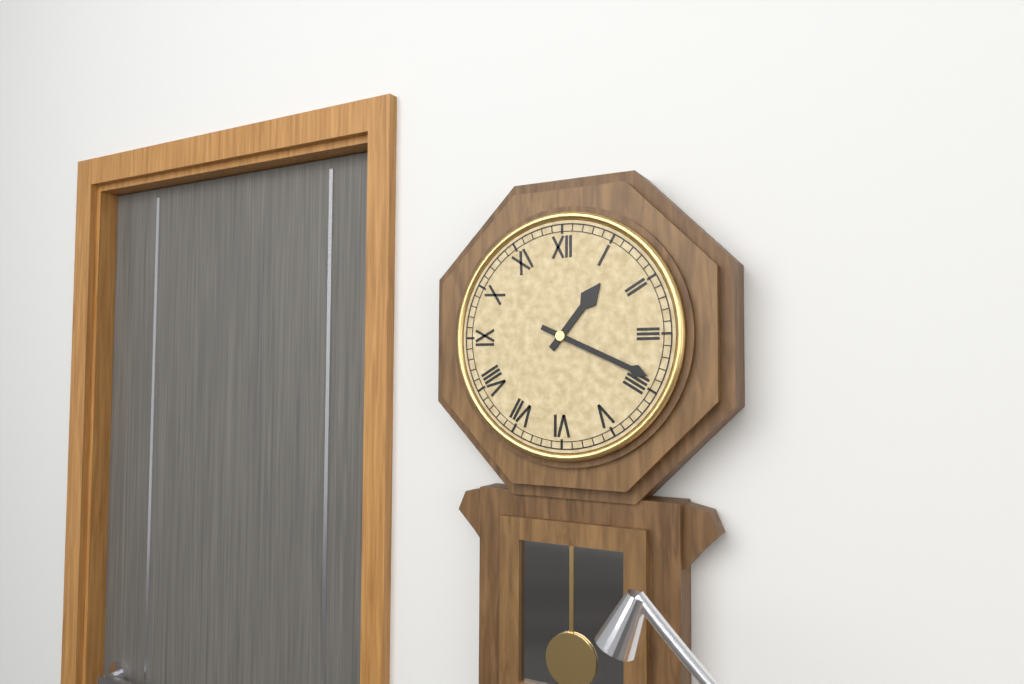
1:19
